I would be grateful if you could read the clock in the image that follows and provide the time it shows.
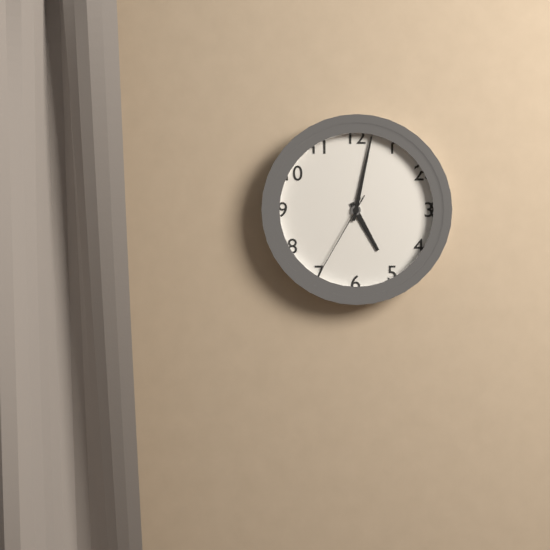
5:02:35
